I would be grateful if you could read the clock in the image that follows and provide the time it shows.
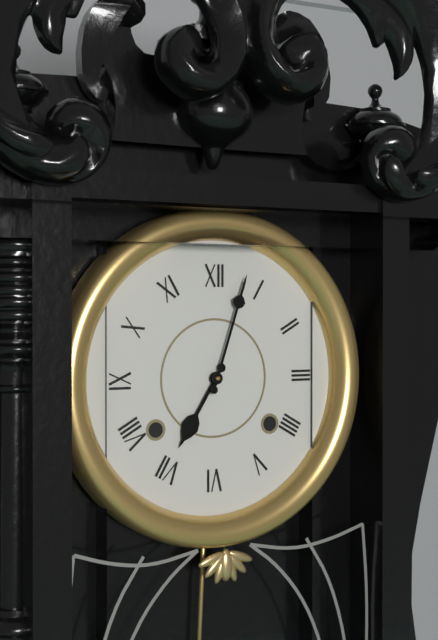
7:03
